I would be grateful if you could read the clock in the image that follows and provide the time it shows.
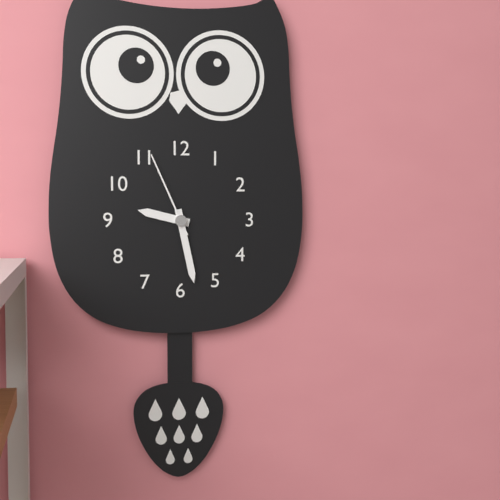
9:28:56
